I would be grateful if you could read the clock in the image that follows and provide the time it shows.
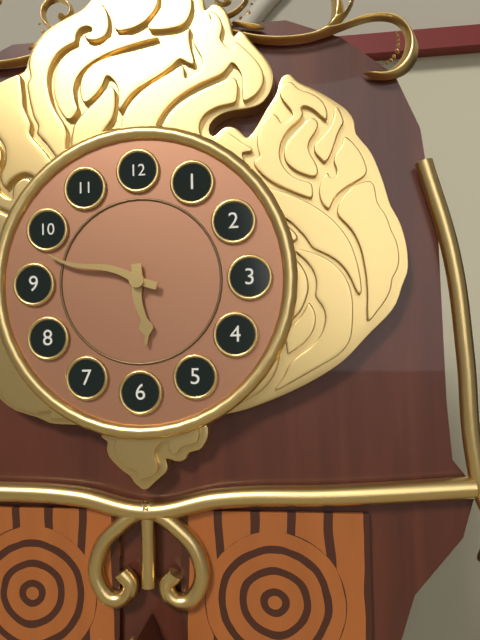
5:48
